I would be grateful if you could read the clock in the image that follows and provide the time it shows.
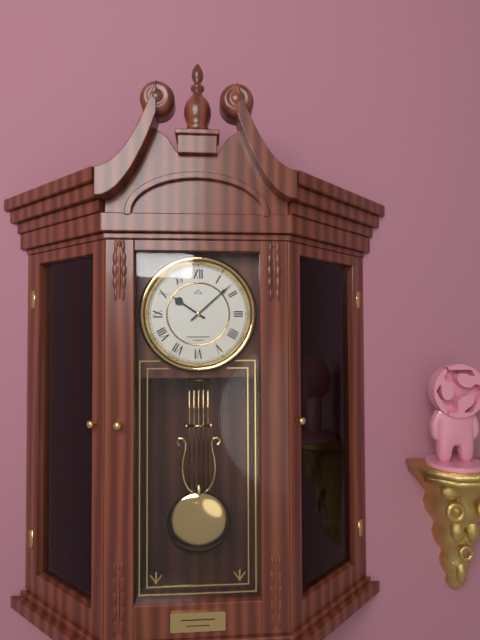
10:08
